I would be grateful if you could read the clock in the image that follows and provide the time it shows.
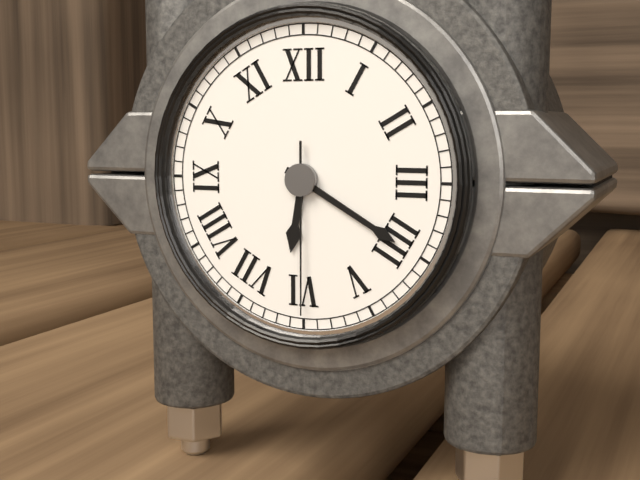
6:20:30
